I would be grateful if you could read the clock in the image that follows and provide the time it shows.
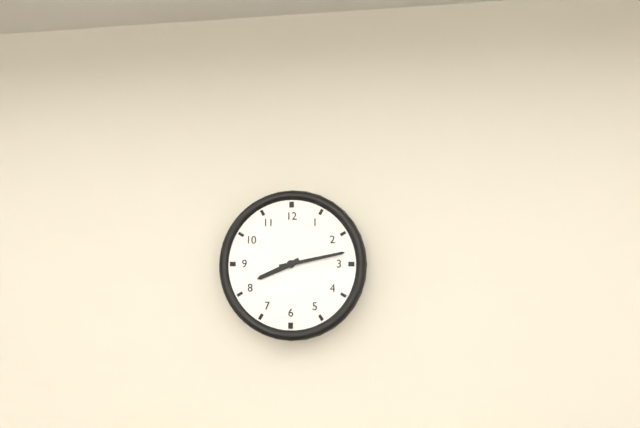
8:13
